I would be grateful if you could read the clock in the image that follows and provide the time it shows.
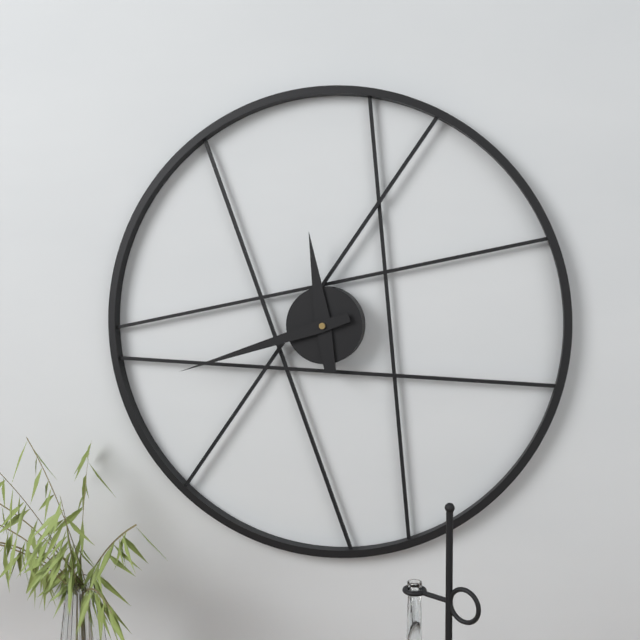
11:42
